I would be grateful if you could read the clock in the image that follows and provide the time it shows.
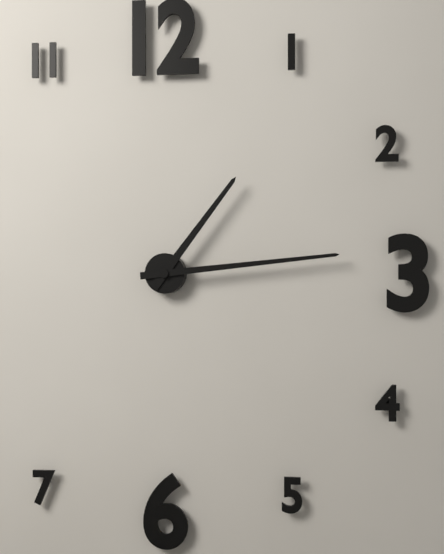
1:14
